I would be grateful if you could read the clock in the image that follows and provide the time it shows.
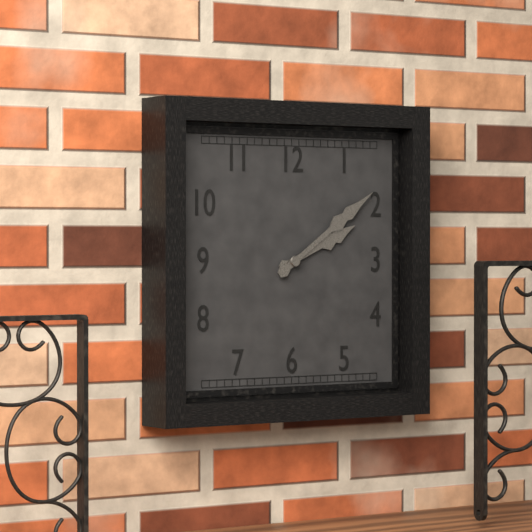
2:09
